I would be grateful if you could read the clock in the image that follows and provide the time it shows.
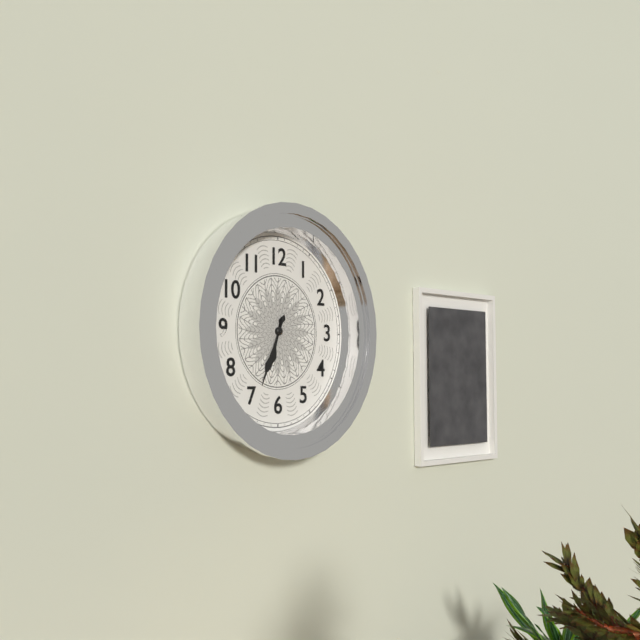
6:34
